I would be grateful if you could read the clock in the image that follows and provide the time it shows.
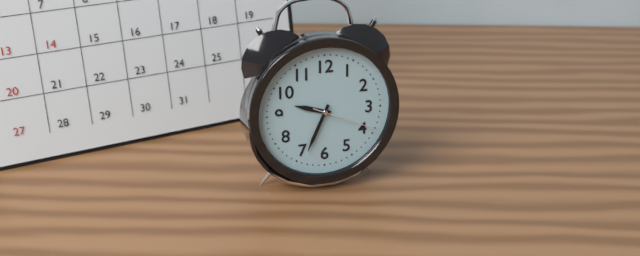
9:34:19
